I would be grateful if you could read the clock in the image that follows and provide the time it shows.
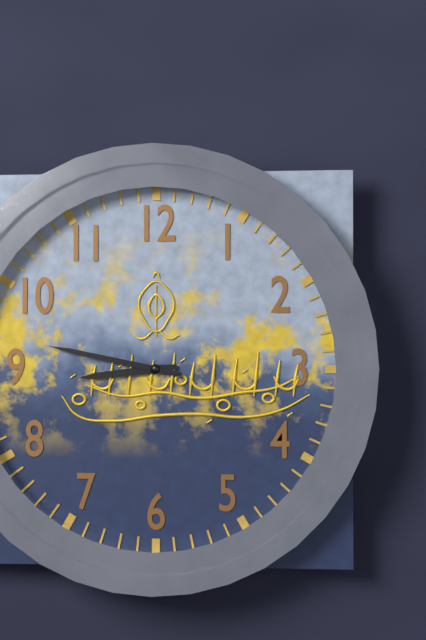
8:47
